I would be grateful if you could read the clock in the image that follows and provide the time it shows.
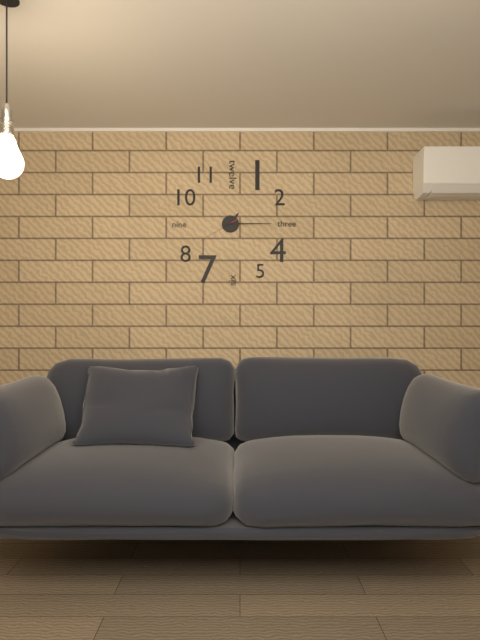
1:15
